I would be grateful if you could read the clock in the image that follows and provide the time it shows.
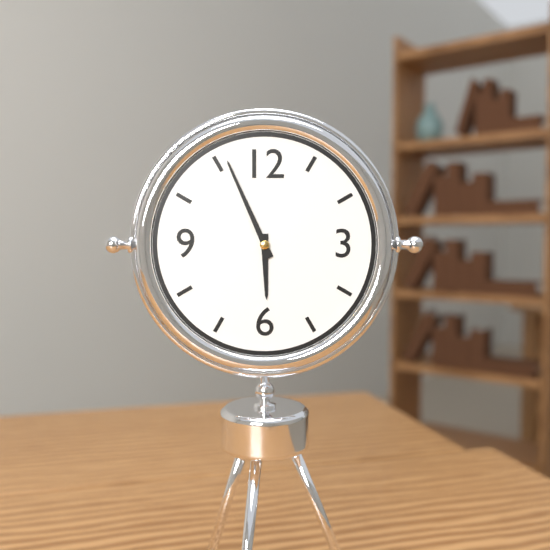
5:56
